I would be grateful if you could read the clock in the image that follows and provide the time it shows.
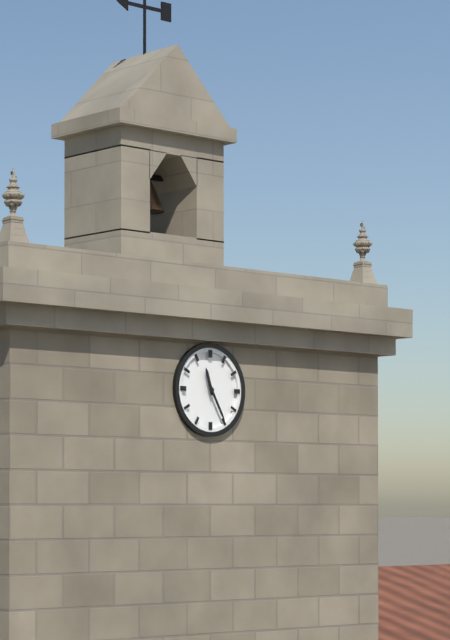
11:25
